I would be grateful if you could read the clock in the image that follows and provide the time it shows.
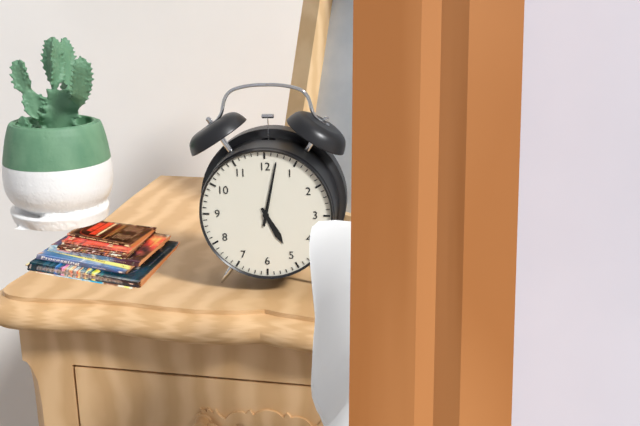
5:02
